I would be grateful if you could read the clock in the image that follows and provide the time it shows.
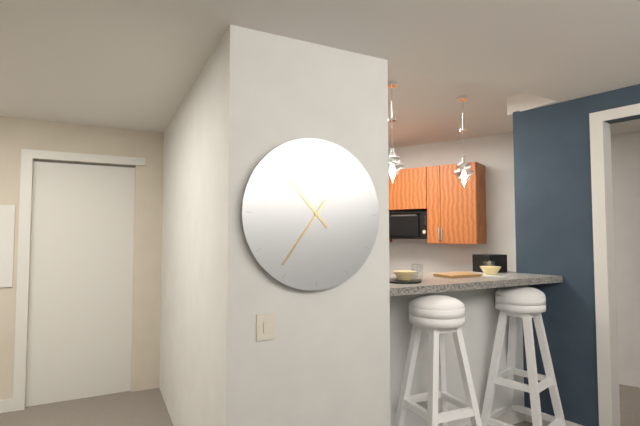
10:36
